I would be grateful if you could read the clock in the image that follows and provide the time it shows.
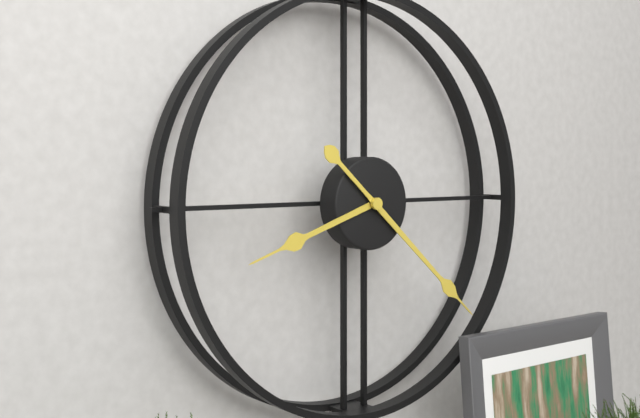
8:22
